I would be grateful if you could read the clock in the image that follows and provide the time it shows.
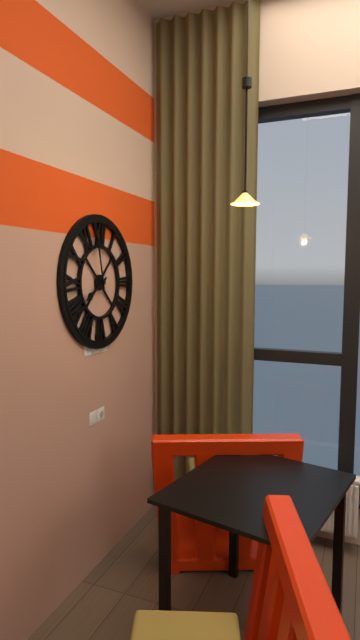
7:58
